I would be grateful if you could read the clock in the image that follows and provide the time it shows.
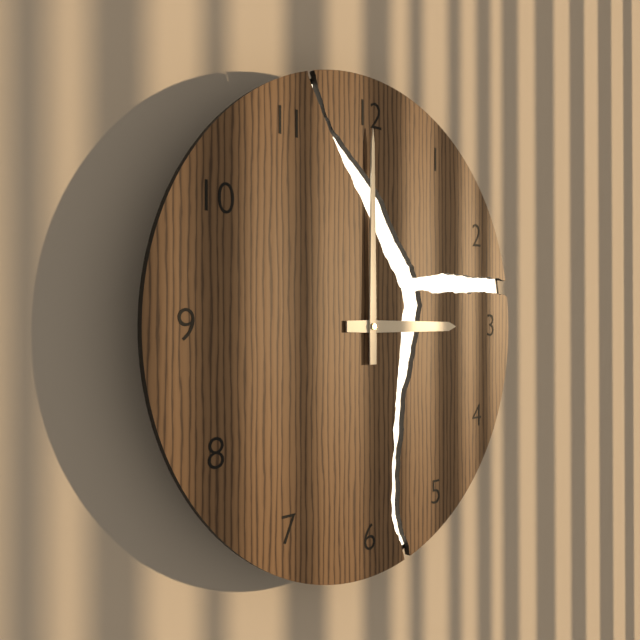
3:00
